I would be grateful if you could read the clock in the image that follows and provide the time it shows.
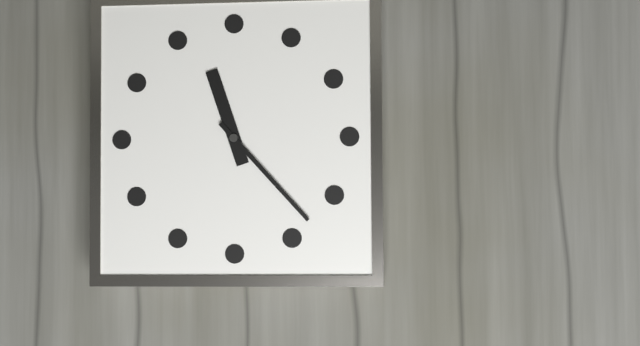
11:23
